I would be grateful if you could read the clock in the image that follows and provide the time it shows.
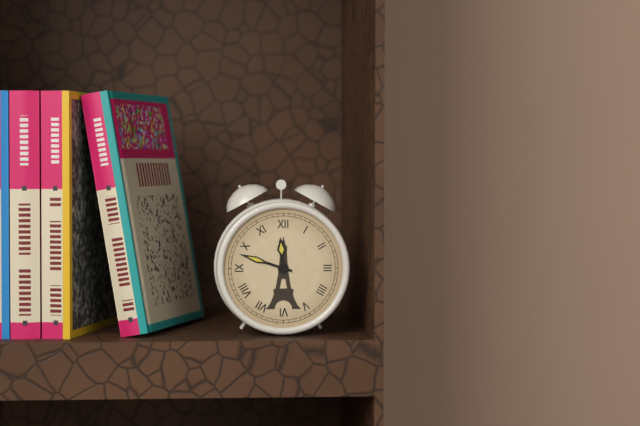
11:48
